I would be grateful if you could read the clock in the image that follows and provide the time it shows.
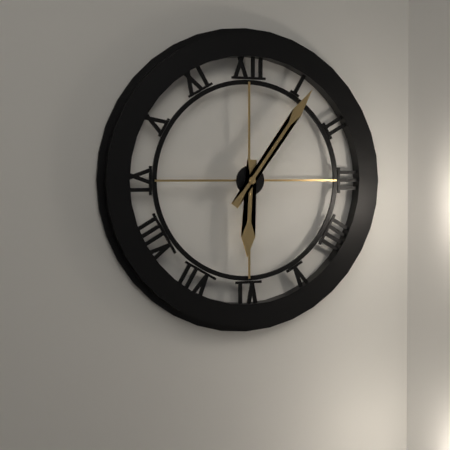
6:06
